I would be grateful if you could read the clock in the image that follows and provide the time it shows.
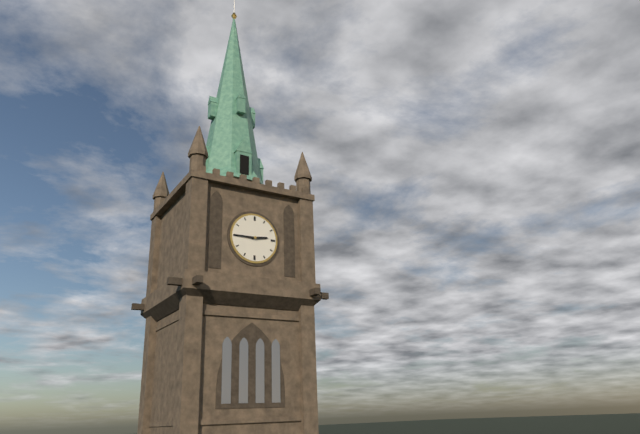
2:45
